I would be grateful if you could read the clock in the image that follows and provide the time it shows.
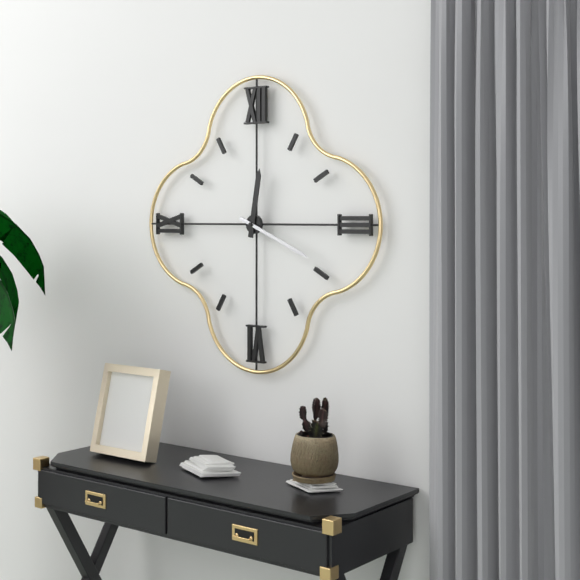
12:19
